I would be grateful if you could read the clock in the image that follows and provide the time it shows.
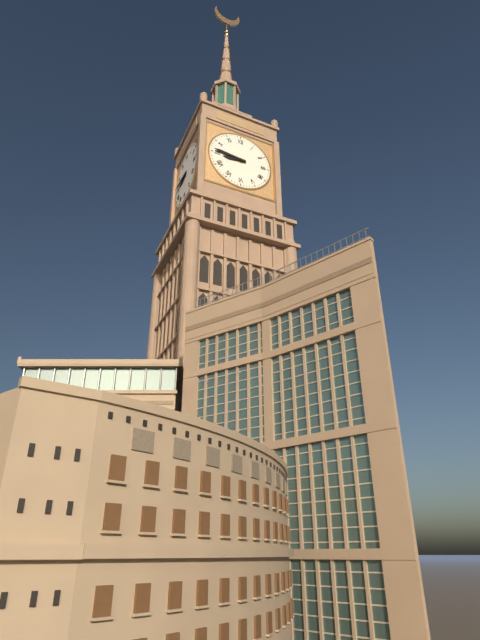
8:46
